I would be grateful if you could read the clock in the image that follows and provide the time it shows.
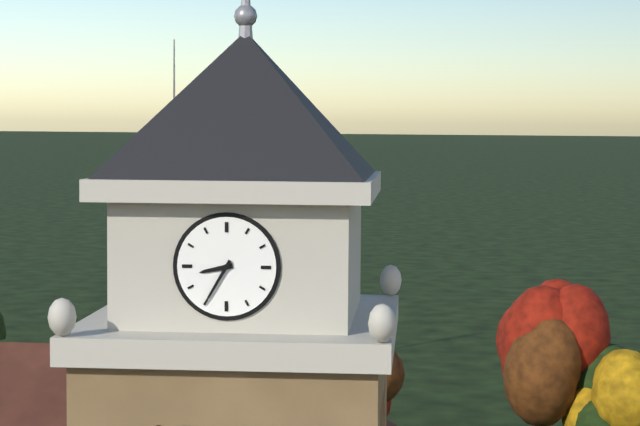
8:35
